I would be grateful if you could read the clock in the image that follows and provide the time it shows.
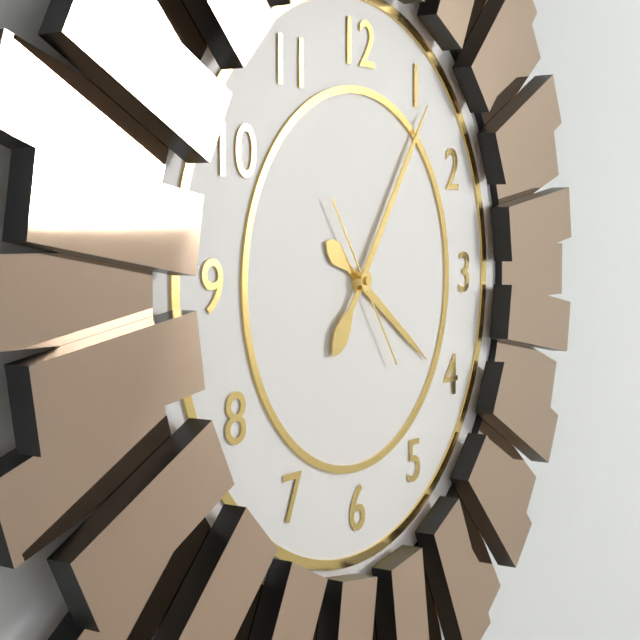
4:06:24
